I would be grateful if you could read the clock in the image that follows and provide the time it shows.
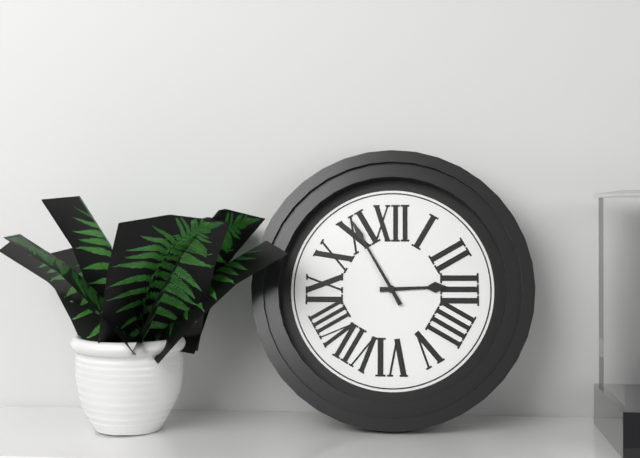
2:55
